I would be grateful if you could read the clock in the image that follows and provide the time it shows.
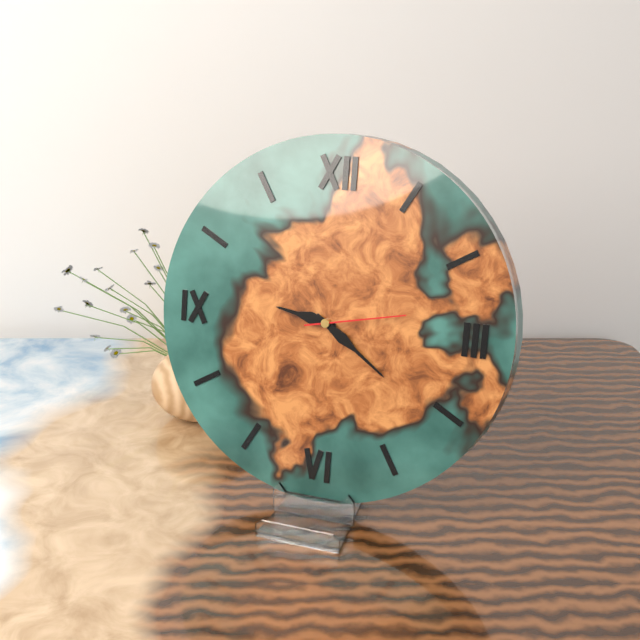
9:21:13
